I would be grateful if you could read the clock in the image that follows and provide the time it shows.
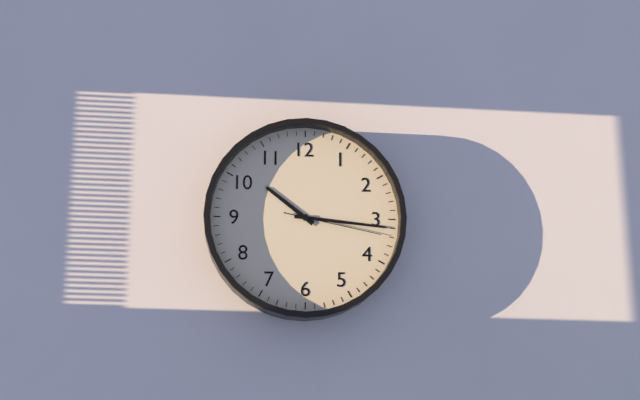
10:16:17
